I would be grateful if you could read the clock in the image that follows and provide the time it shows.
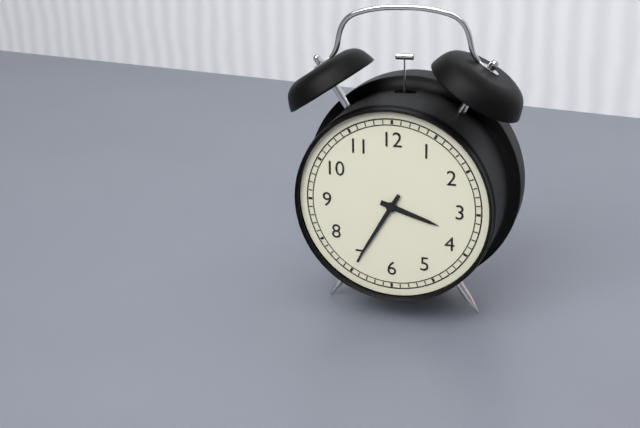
3:35
